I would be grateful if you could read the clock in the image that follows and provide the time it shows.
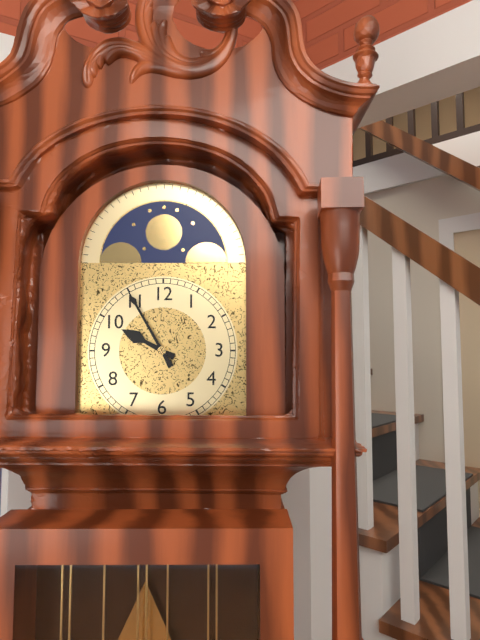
9:55
